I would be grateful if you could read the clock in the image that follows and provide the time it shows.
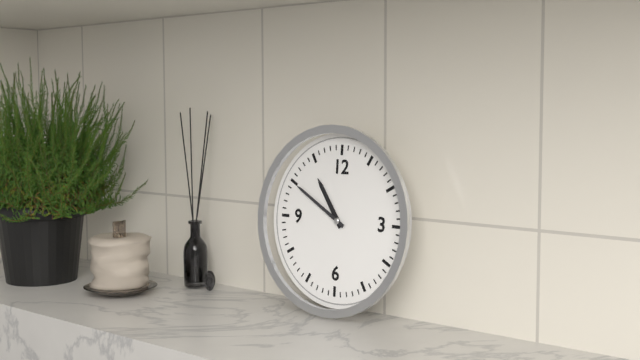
10:50
